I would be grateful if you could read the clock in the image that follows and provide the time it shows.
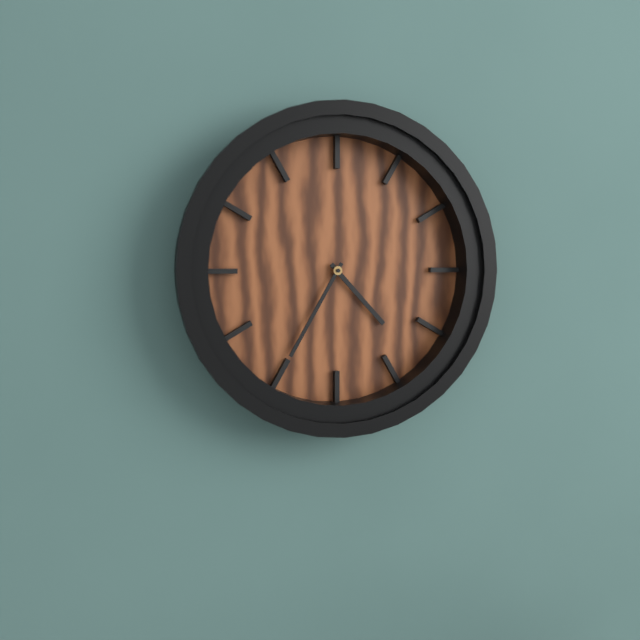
4:35
